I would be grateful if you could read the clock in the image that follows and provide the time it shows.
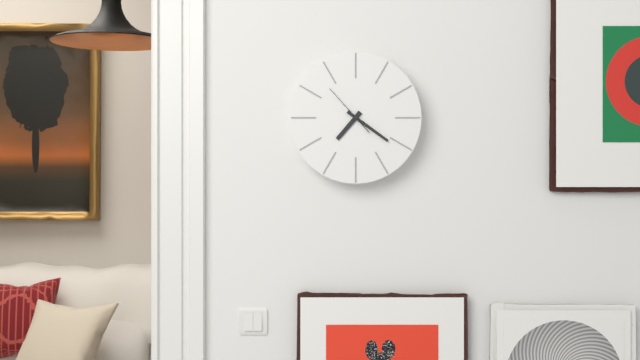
7:21
